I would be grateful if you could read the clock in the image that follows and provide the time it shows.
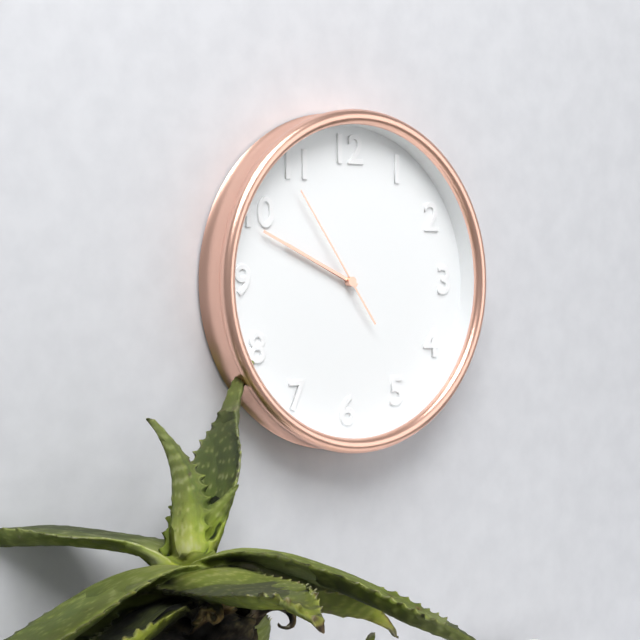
9:49:54
